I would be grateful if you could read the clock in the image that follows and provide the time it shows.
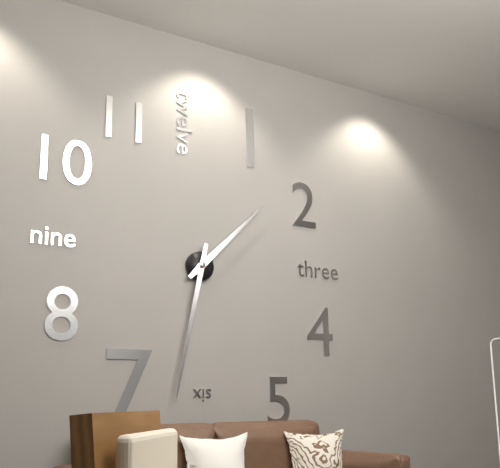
1:32
